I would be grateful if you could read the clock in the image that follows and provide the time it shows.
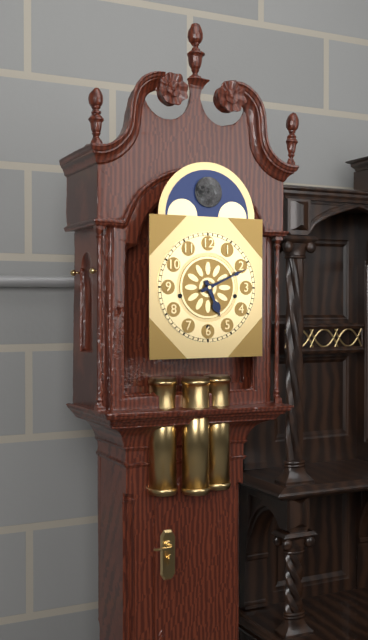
5:11
